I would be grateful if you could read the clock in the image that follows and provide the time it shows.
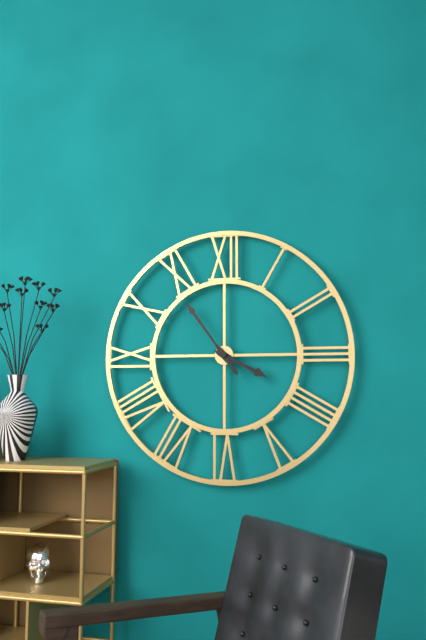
3:54
